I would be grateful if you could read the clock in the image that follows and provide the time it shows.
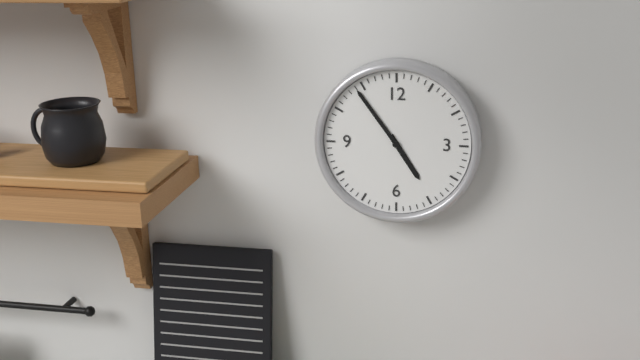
4:54
